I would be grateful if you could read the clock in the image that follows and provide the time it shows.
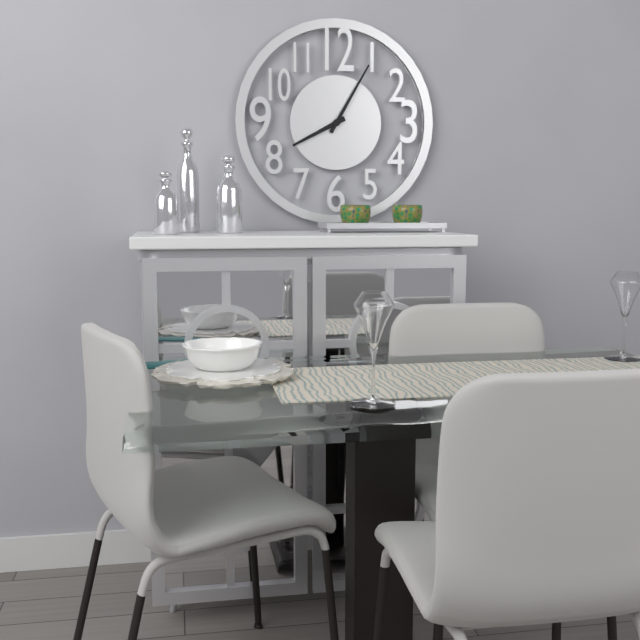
8:05
